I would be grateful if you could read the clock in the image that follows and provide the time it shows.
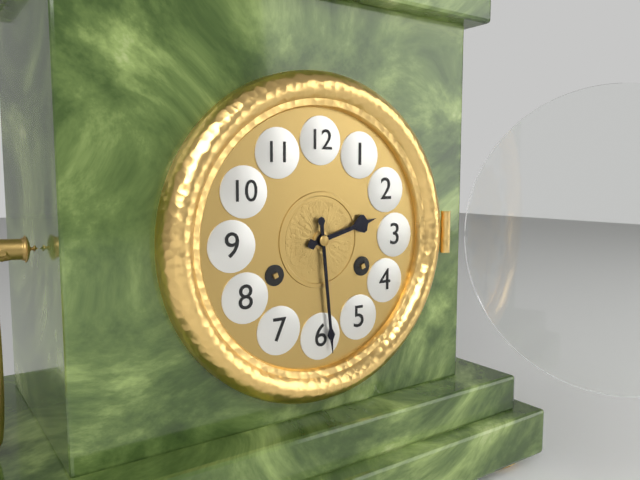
2:29
